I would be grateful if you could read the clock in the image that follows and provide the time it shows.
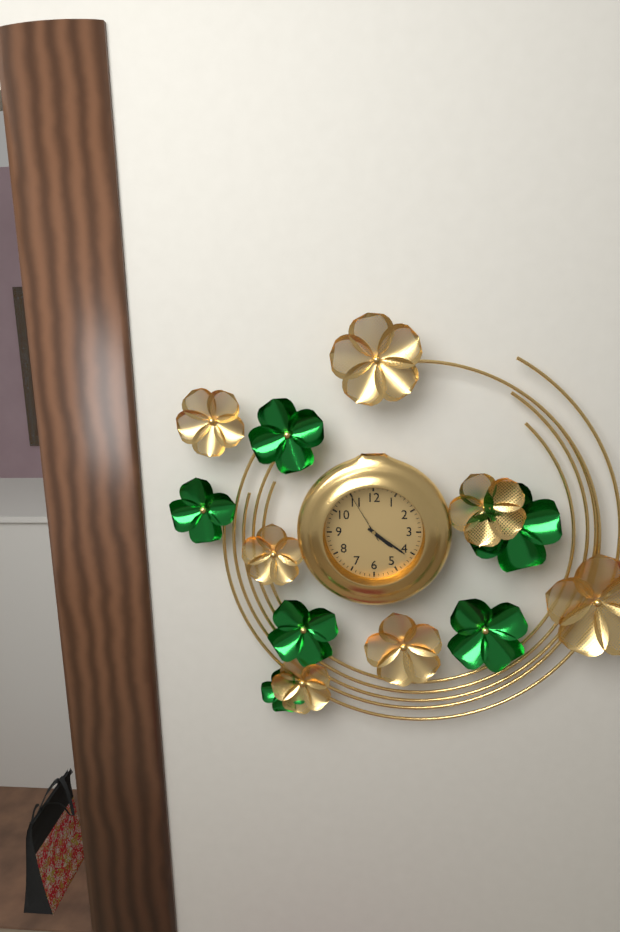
4:21:55
